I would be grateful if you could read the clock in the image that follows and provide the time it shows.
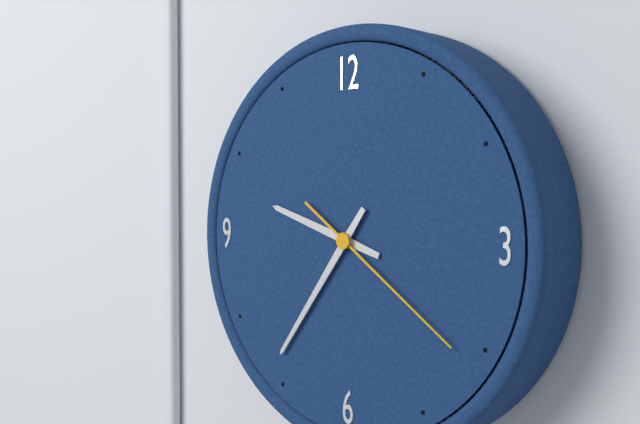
9:36:21
